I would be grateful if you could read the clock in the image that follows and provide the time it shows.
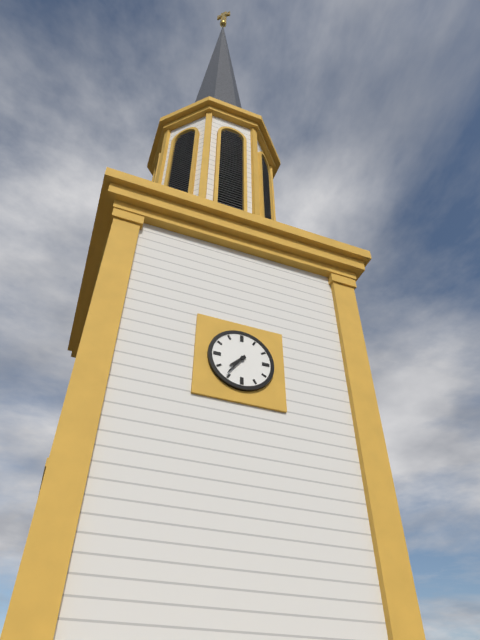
7:36
